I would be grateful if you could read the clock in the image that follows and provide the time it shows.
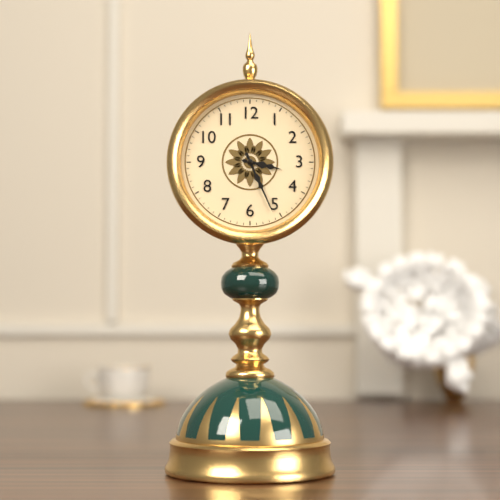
3:26
